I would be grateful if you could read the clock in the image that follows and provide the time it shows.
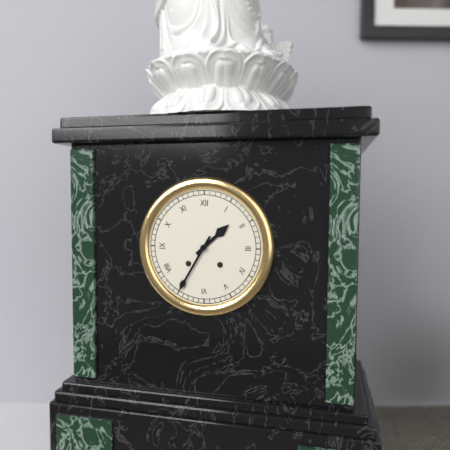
1:35
